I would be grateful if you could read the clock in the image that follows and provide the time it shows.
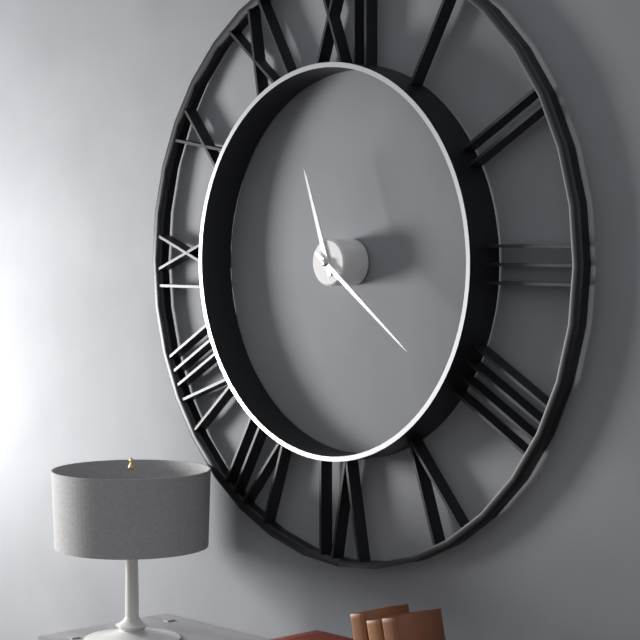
11:21
